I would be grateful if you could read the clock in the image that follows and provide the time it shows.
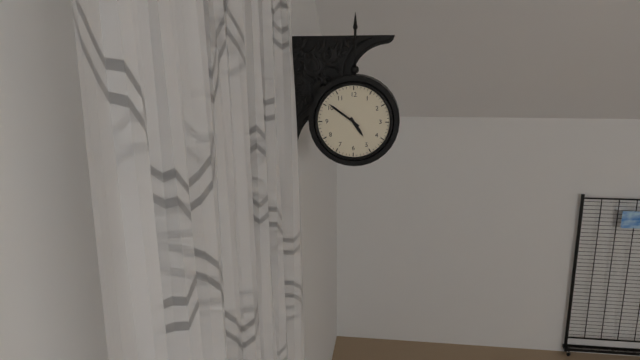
4:51
